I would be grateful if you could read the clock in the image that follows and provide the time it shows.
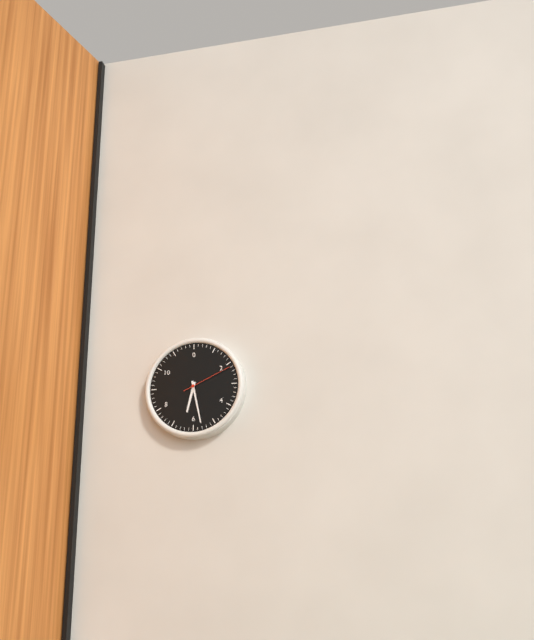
6:28:11
